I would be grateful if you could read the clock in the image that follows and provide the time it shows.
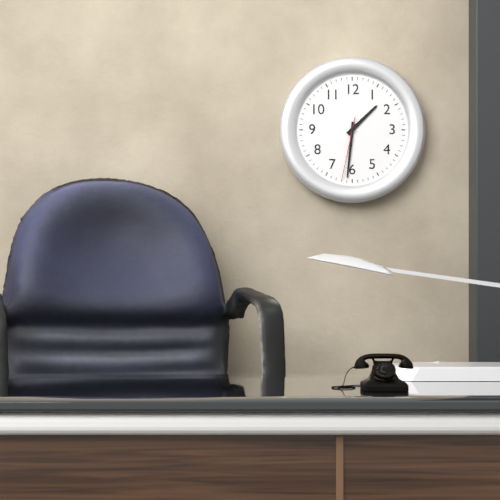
1:31:32
